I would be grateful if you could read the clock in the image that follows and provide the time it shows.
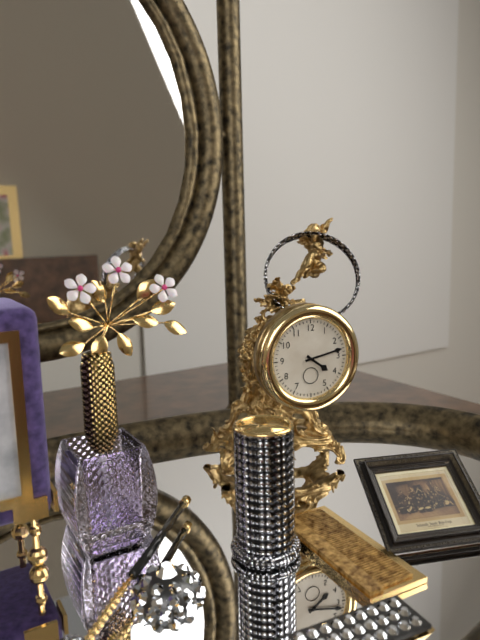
4:13
